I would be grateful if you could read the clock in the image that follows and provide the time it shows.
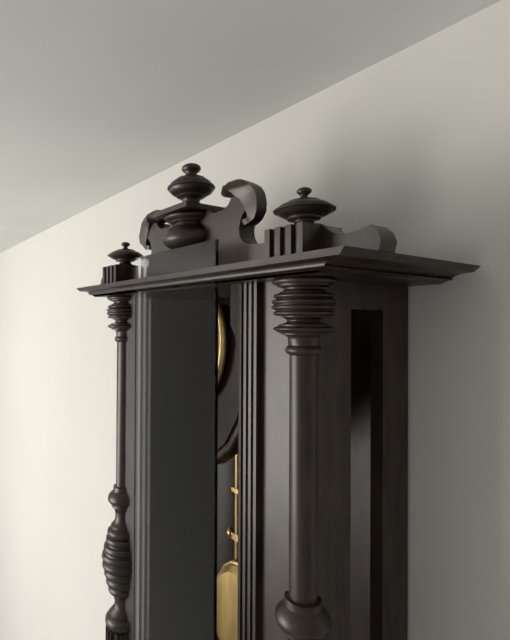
7:41
